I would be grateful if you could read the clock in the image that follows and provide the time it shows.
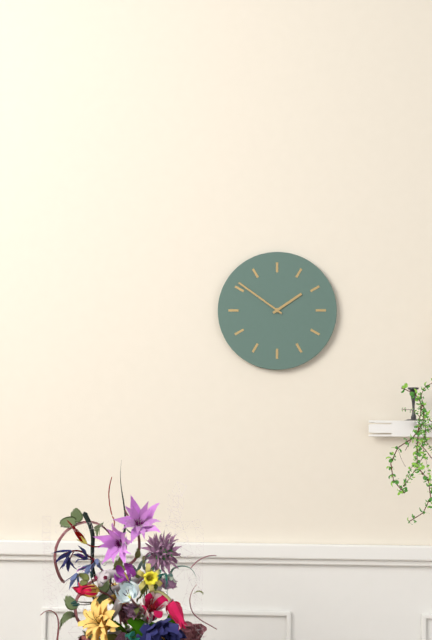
1:51
